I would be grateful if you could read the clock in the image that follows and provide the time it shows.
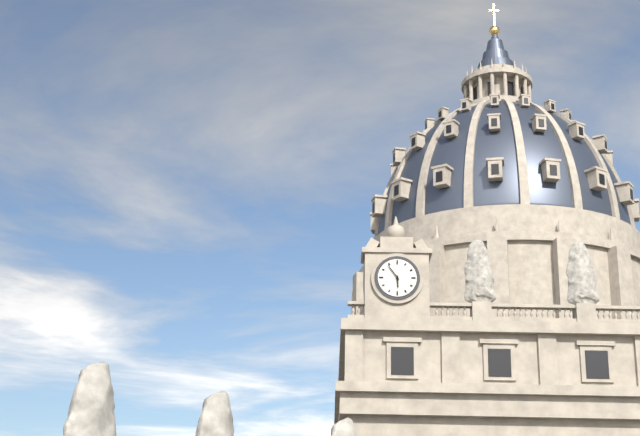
5:54
